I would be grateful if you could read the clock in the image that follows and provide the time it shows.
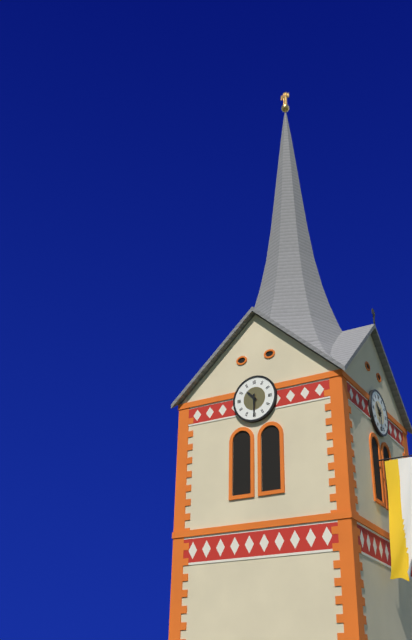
10:30
